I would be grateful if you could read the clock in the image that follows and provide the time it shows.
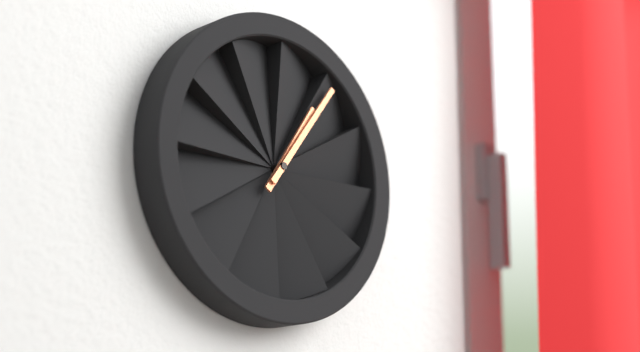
1:06
